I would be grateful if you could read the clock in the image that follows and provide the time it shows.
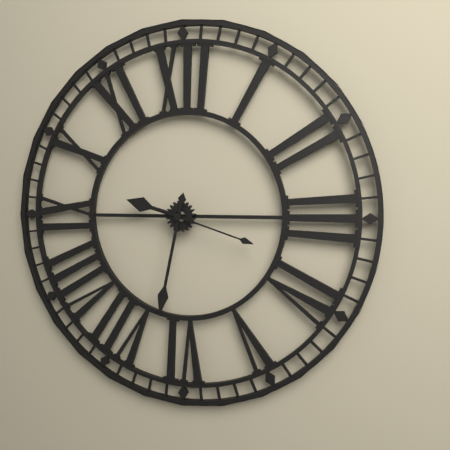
9:32:18
